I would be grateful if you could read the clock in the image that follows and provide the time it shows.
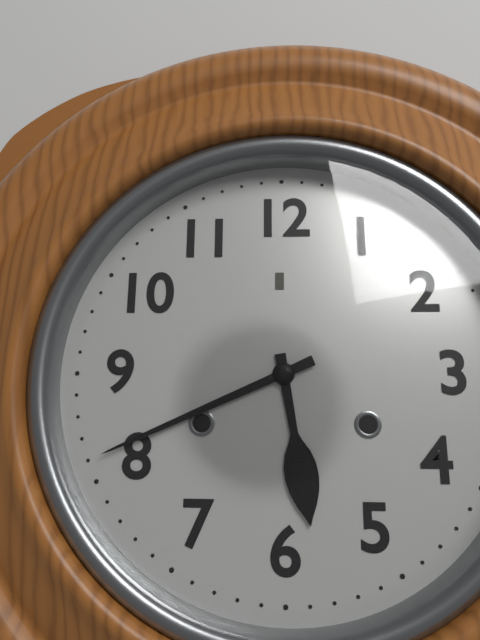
5:41
